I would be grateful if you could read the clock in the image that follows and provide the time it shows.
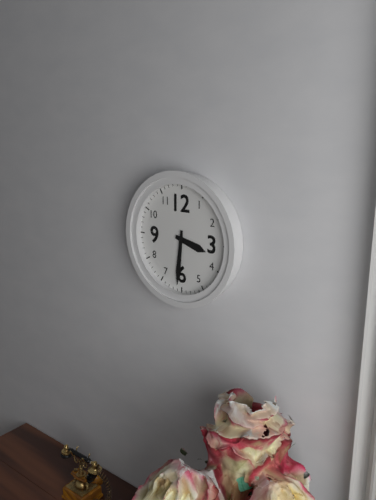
3:31
